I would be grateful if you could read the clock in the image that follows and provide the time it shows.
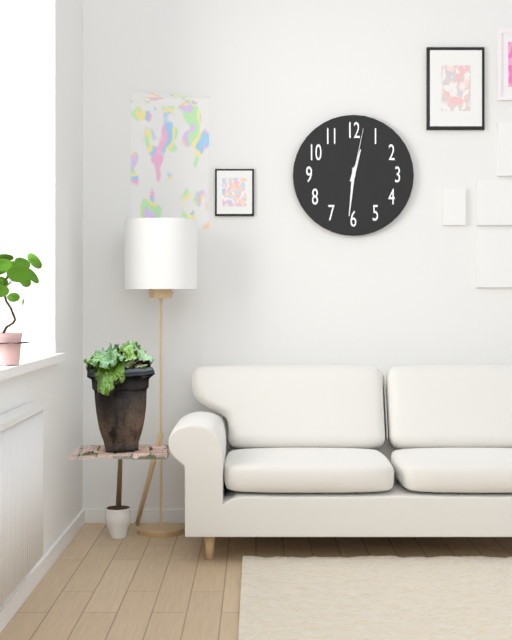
12:31:02
